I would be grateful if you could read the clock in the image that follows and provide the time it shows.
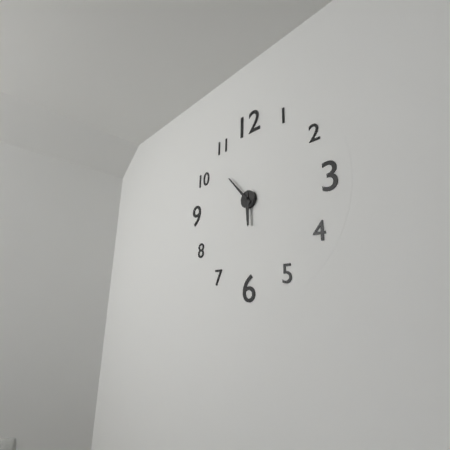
5:53
